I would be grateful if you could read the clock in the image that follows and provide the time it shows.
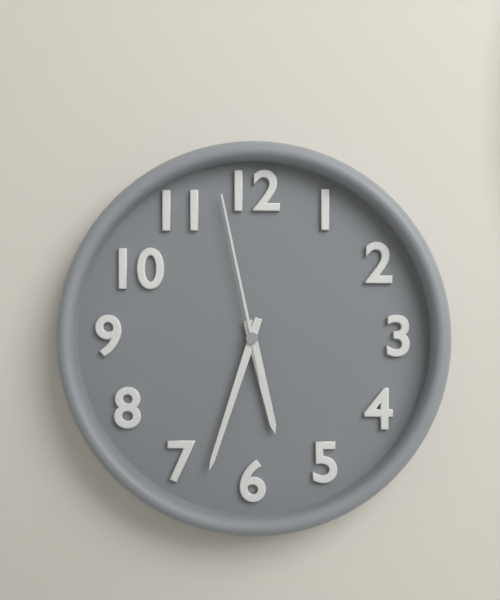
5:33:58
